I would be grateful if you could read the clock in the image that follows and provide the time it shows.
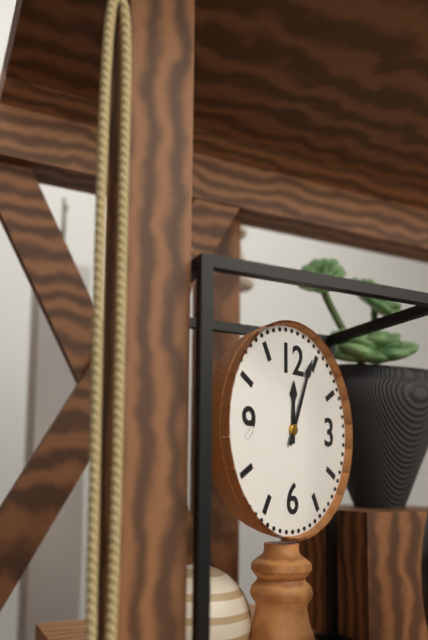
12:04
